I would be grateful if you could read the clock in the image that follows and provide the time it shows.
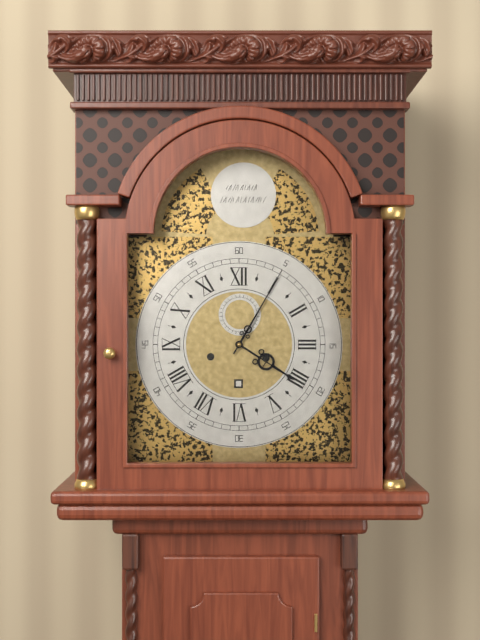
4:05
